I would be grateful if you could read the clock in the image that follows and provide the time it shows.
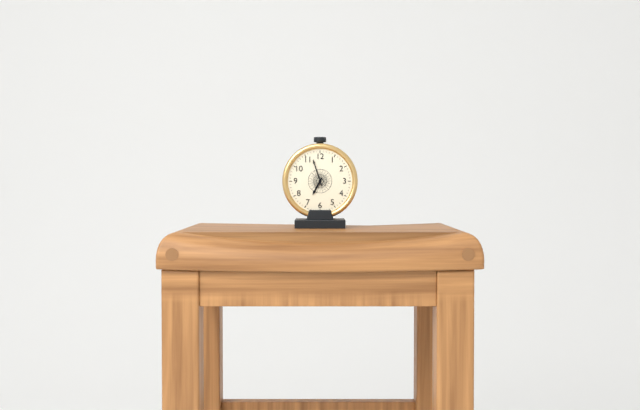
6:57
